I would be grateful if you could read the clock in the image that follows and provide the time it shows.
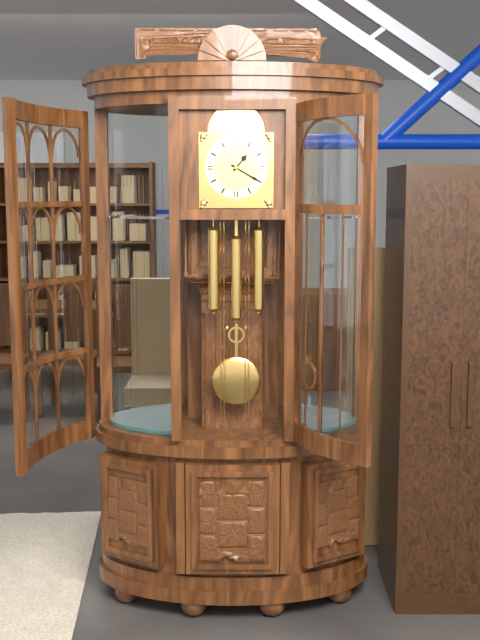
1:20
